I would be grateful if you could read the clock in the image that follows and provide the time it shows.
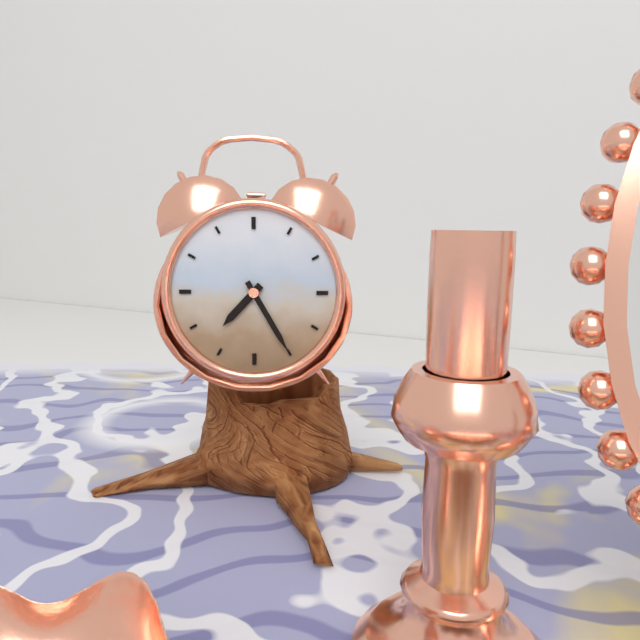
7:25
